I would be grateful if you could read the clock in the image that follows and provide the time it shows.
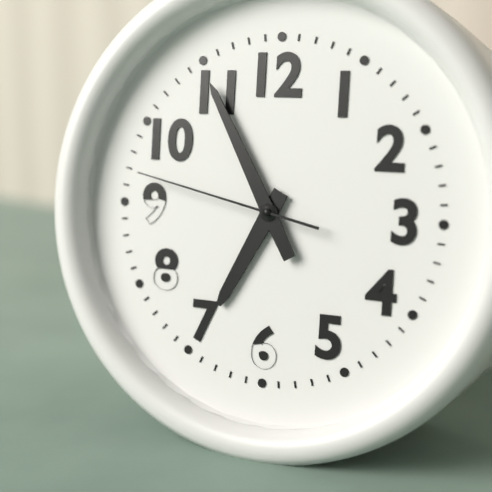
6:55:47
